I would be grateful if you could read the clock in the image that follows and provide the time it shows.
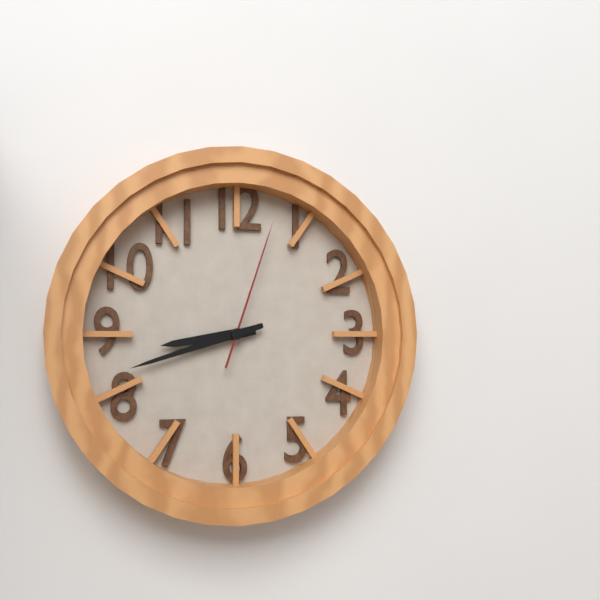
8:42:03
